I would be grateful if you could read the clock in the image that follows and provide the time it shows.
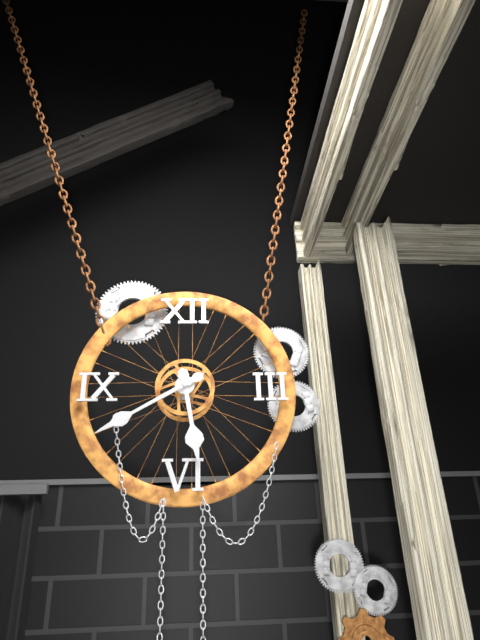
5:40
